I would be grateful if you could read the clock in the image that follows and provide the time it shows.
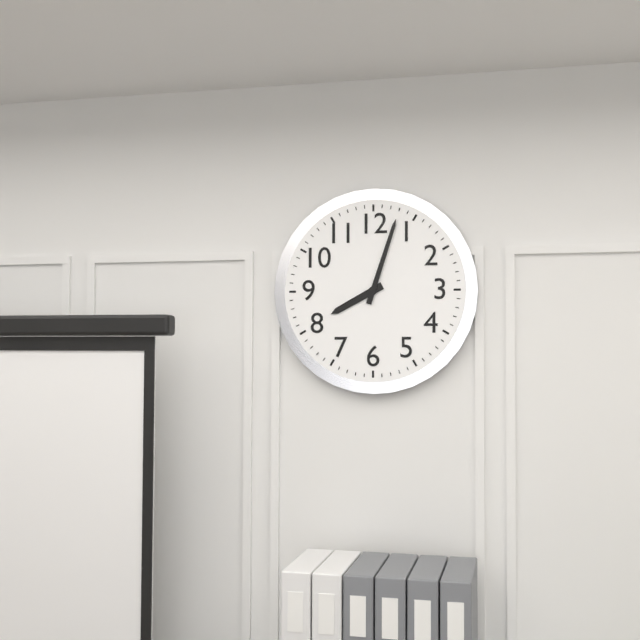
8:03
